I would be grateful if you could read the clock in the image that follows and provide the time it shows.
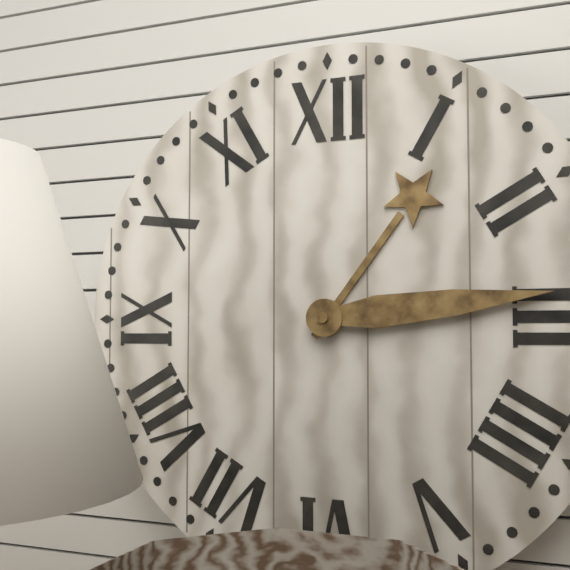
1:14
